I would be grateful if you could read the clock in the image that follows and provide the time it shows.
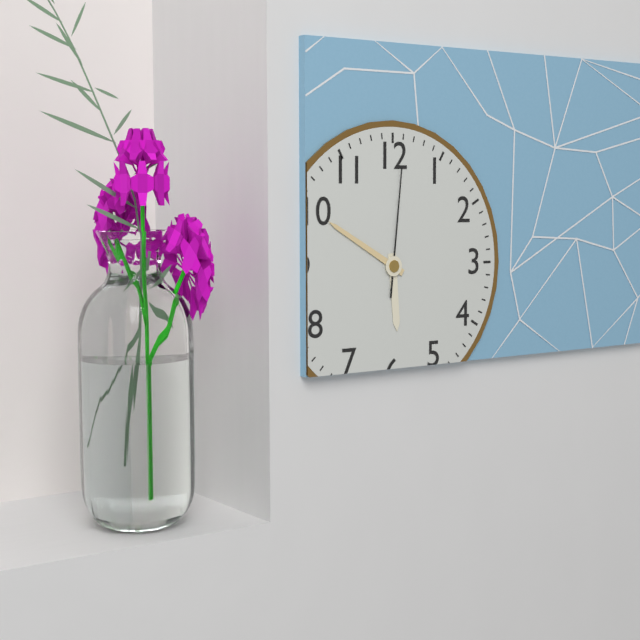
5:50:01
